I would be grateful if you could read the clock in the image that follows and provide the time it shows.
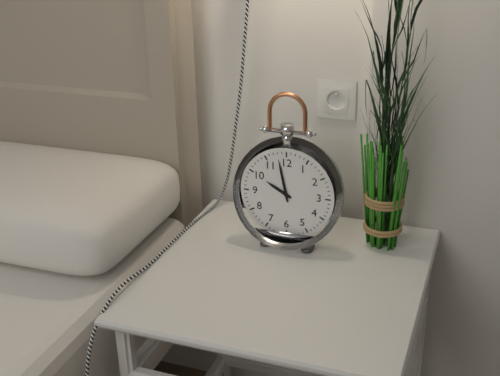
9:58
